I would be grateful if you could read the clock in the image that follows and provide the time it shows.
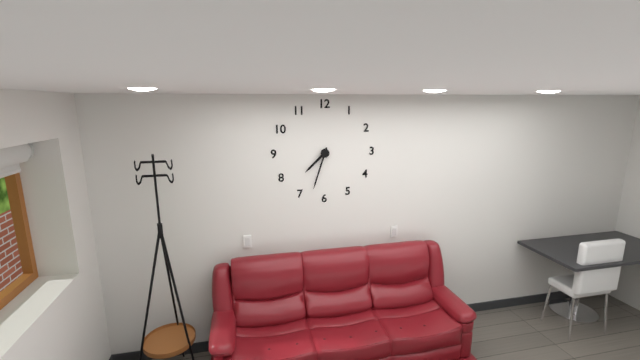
7:33
